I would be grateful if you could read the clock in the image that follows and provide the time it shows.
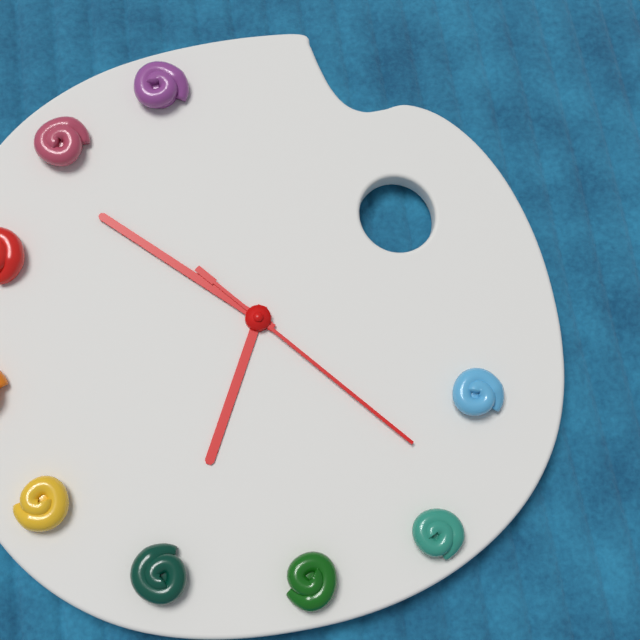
6:52:23
